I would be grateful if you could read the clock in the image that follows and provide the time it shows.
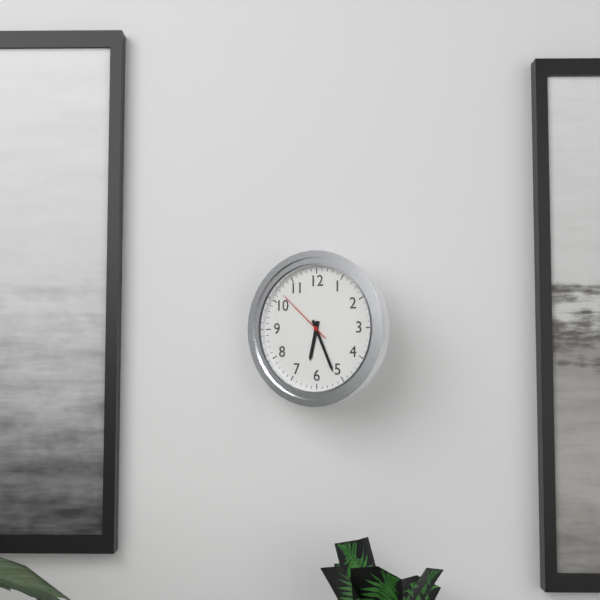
6:26:52
